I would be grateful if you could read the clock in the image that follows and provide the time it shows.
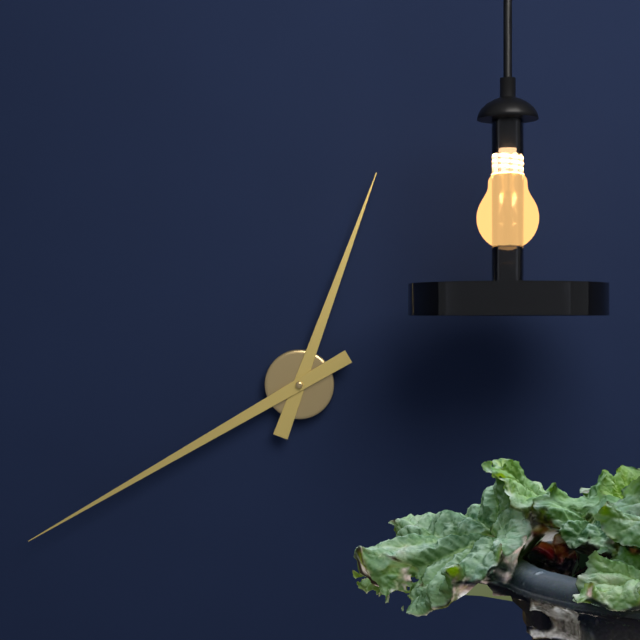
12:40
